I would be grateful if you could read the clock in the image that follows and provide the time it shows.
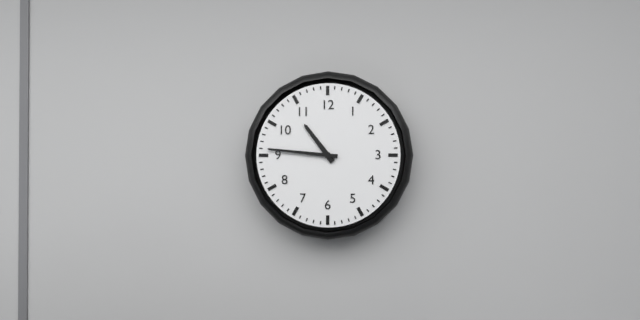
10:46
